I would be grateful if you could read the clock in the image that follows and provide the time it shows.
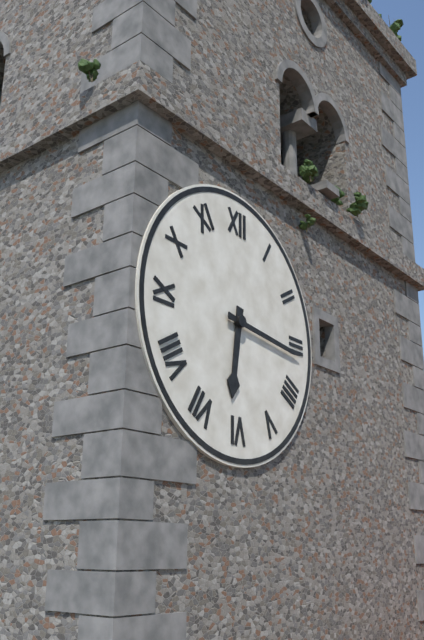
6:16
